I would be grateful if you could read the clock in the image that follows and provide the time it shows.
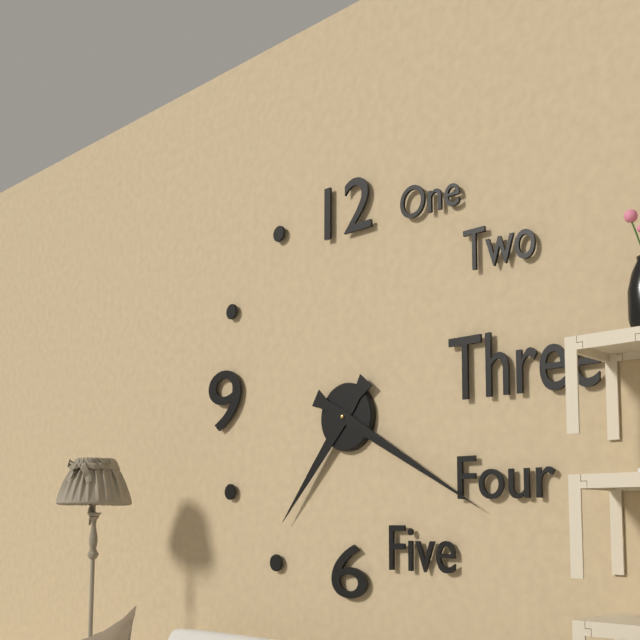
7:20
